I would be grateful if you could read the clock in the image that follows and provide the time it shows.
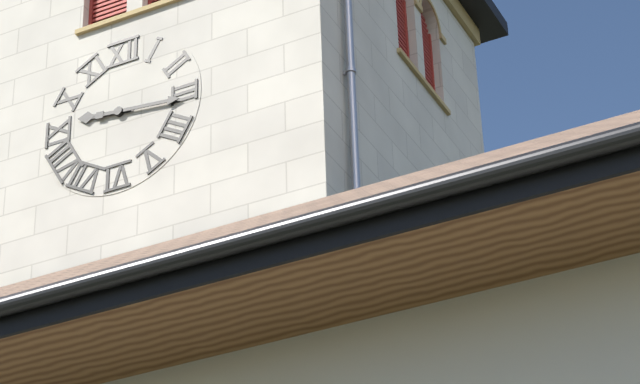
9:16
